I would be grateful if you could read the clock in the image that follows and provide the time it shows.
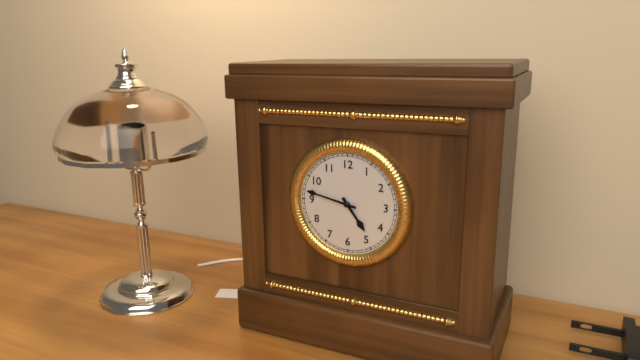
4:47
